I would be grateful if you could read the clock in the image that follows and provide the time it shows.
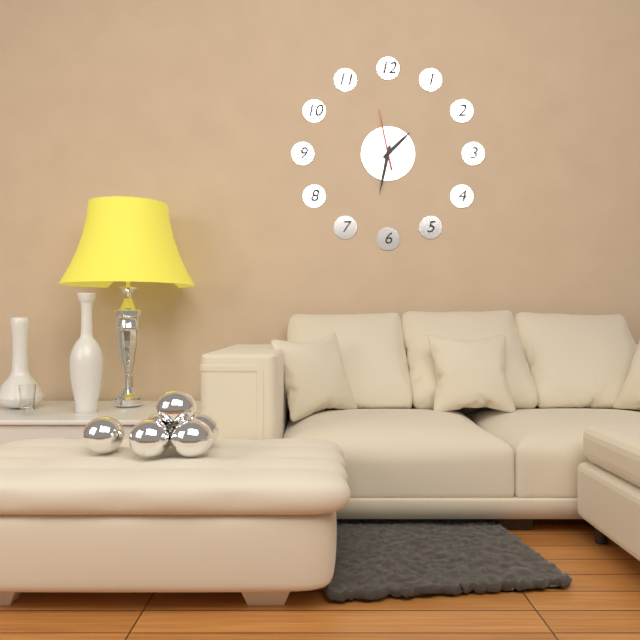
1:32:58
